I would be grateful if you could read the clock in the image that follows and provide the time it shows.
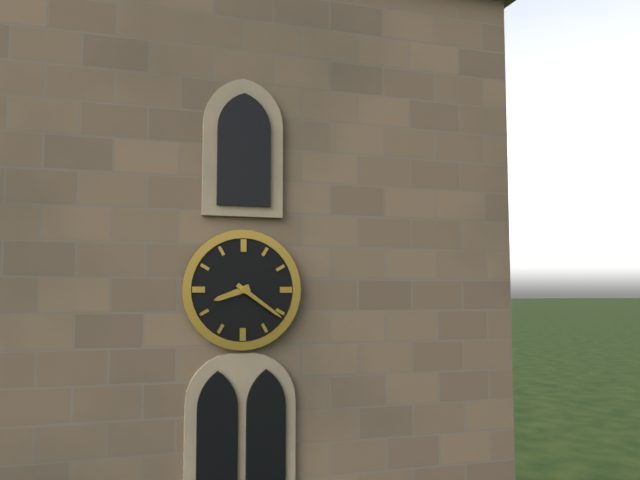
8:21
